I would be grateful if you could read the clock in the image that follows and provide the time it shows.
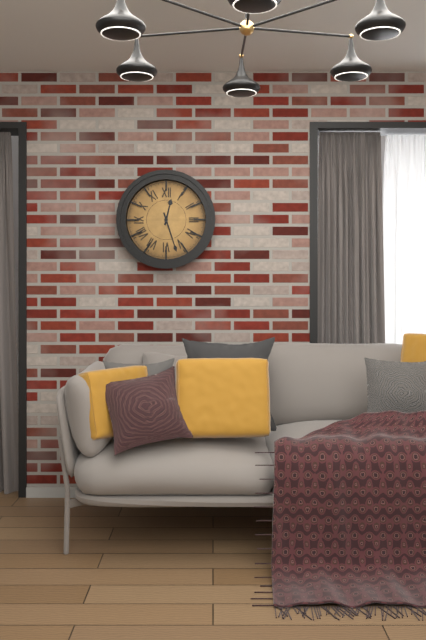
12:27
